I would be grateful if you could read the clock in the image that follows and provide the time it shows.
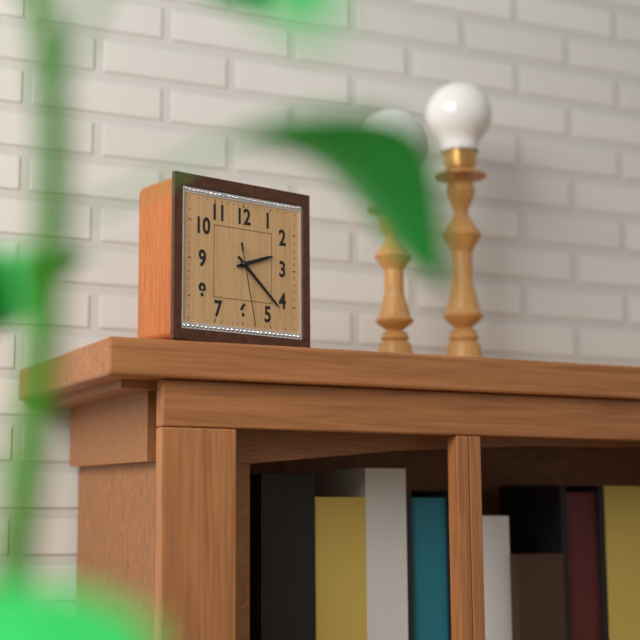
2:22:28
